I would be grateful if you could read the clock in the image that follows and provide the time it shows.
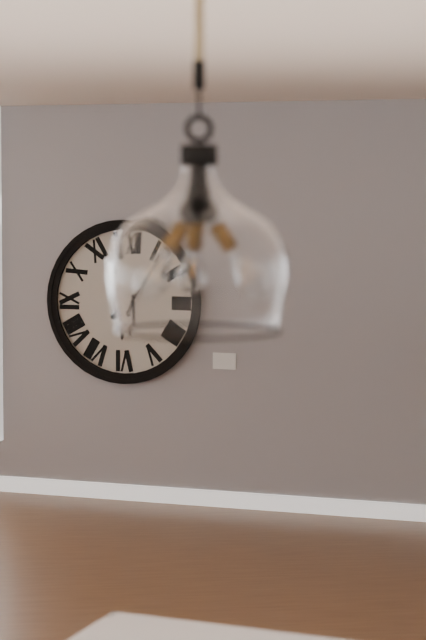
6:06
